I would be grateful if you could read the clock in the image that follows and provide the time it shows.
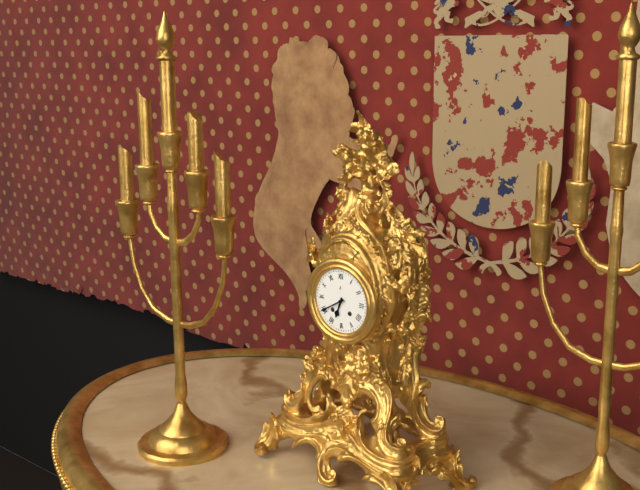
6:40
